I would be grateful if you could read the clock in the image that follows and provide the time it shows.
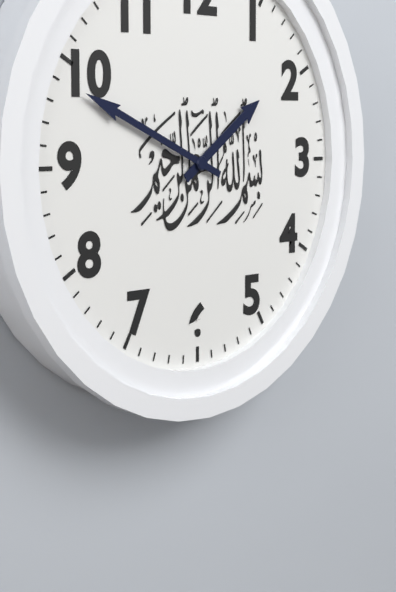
1:49
